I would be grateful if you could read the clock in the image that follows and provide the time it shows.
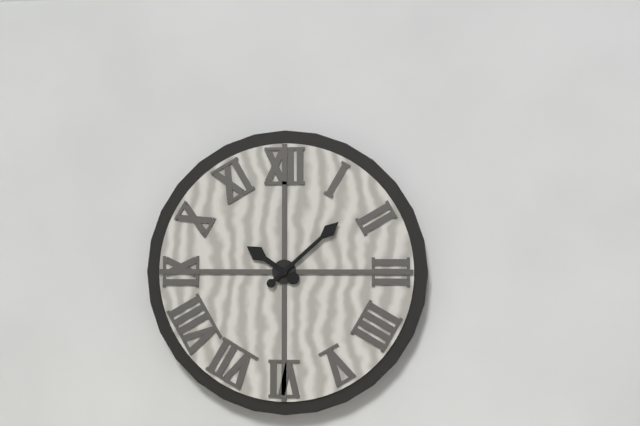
10:08
